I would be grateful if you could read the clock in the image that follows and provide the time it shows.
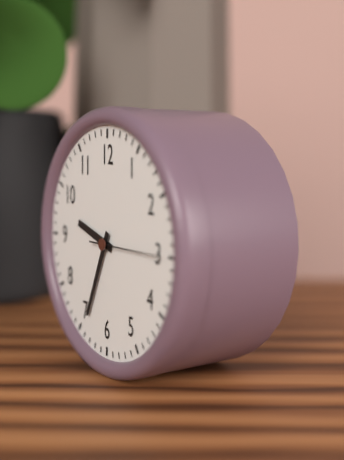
9:34:15
